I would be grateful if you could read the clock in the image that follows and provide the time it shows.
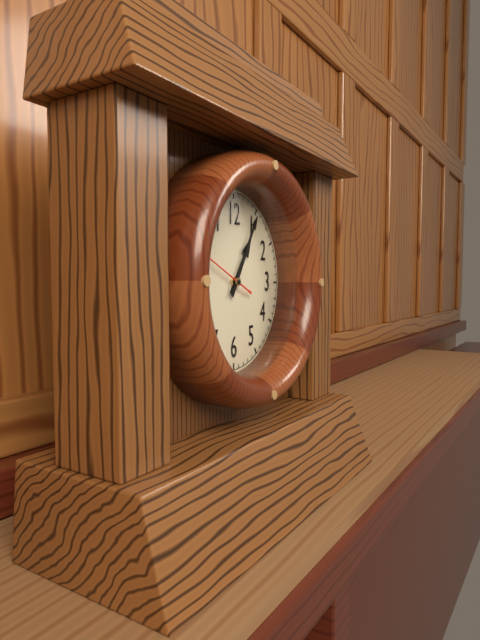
1:05
